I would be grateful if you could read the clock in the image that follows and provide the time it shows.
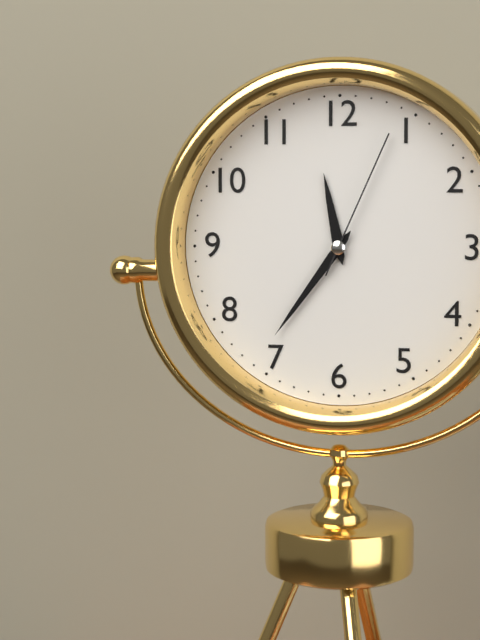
11:36:04
